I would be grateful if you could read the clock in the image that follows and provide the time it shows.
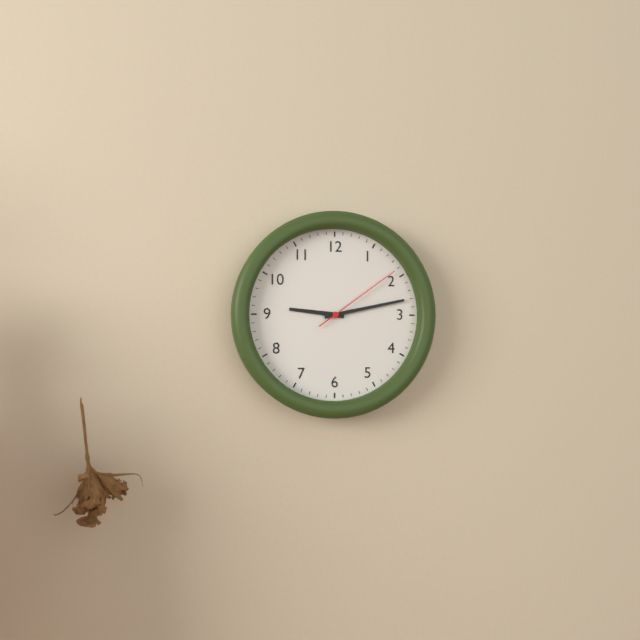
9:13:09
